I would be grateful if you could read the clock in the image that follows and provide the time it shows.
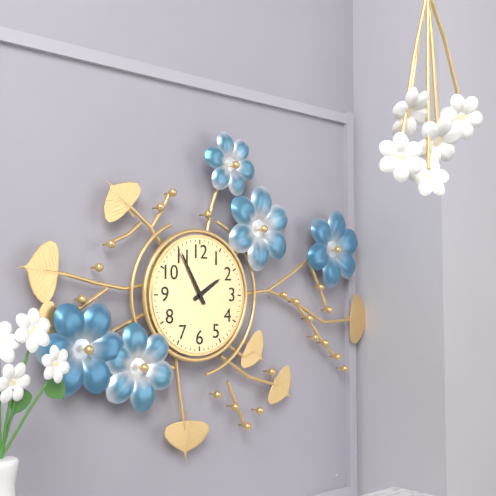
1:55
